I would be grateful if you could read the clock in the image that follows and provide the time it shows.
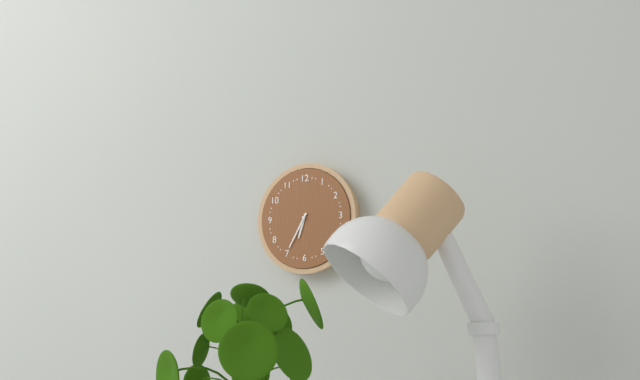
6:35
